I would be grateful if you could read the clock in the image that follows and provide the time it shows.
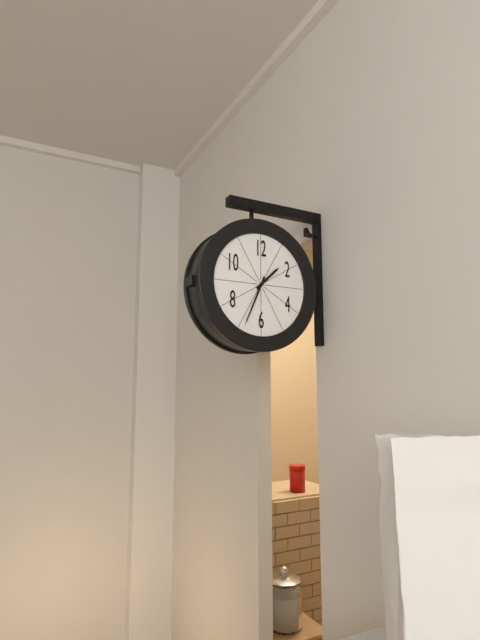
1:34
